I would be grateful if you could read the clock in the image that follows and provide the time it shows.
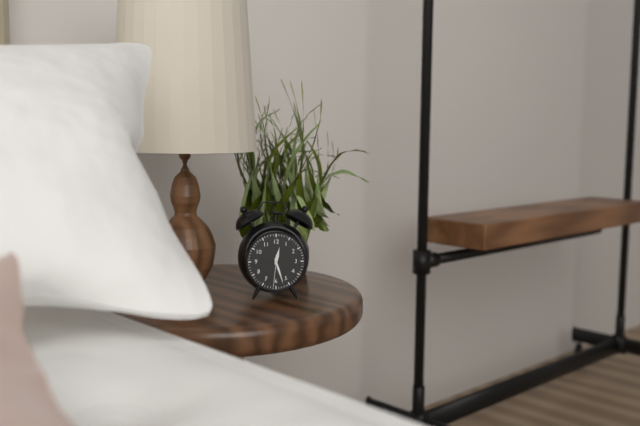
12:27
